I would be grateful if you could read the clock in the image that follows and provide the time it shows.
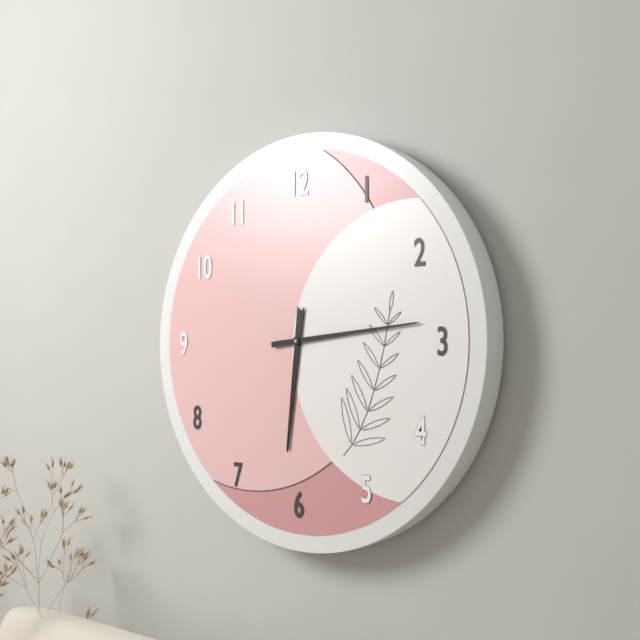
6:14
